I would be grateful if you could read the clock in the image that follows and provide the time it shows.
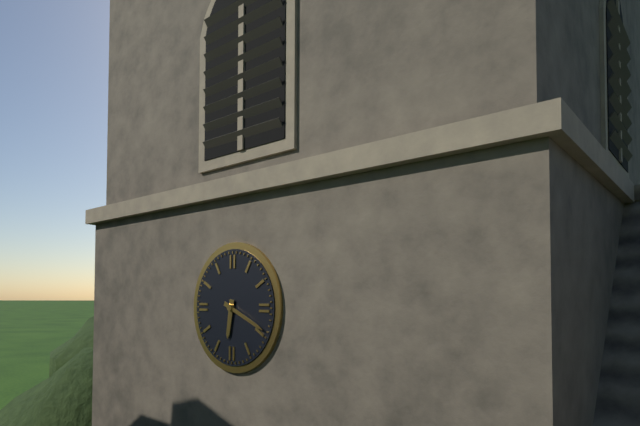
6:19
